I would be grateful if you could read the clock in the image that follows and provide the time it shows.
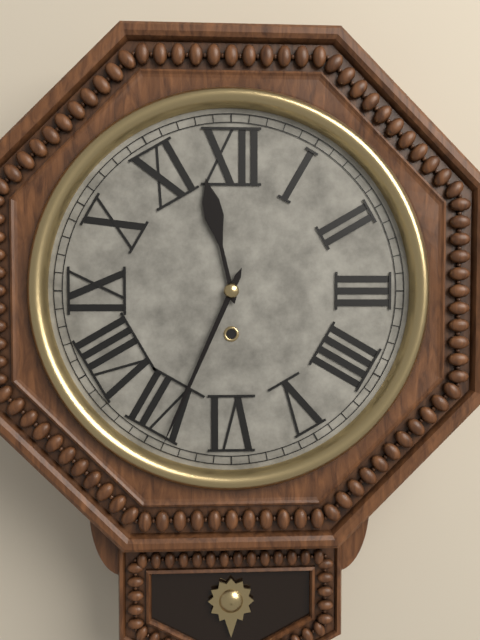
11:34
